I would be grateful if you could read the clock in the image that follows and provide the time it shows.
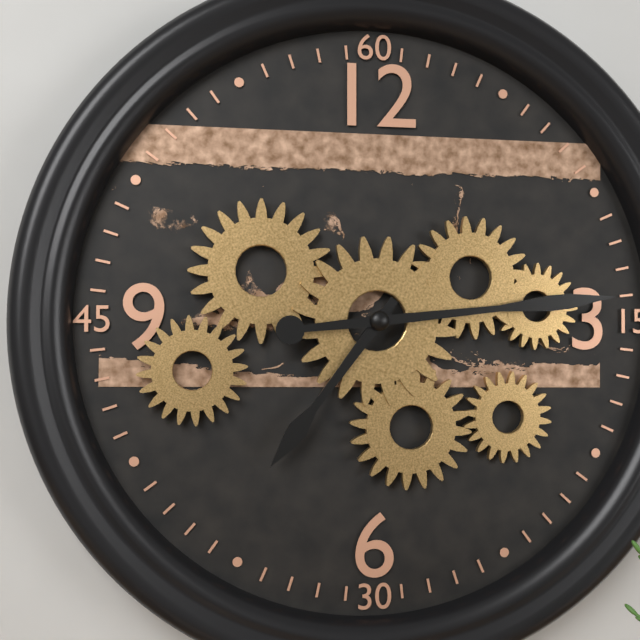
7:14
